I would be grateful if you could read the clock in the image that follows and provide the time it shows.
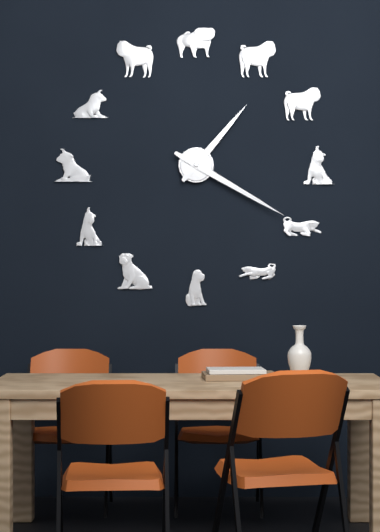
1:20
